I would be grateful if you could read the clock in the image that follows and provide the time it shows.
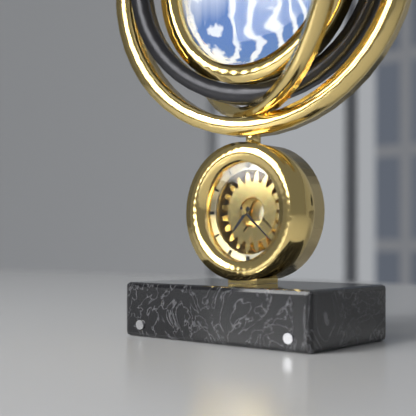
7:22
